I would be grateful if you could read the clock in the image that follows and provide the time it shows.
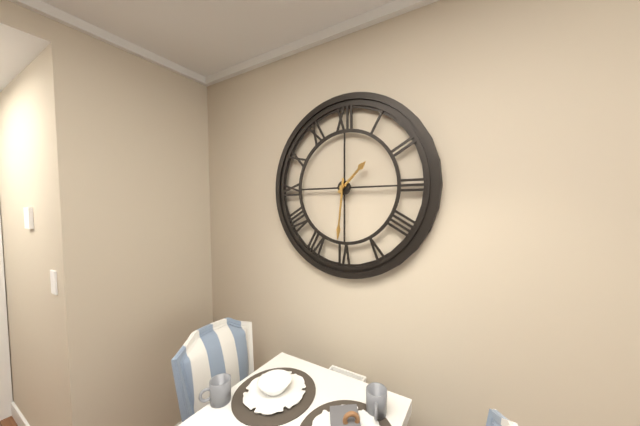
1:31
